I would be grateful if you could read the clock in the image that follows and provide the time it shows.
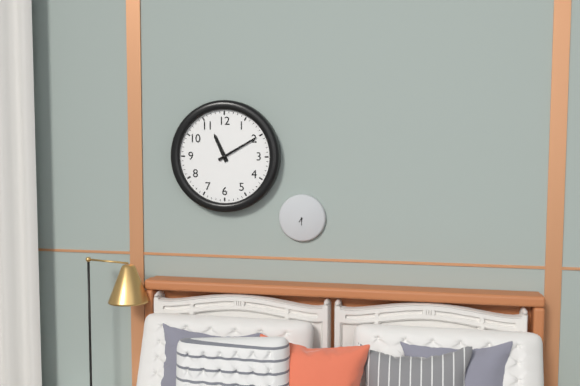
11:10
